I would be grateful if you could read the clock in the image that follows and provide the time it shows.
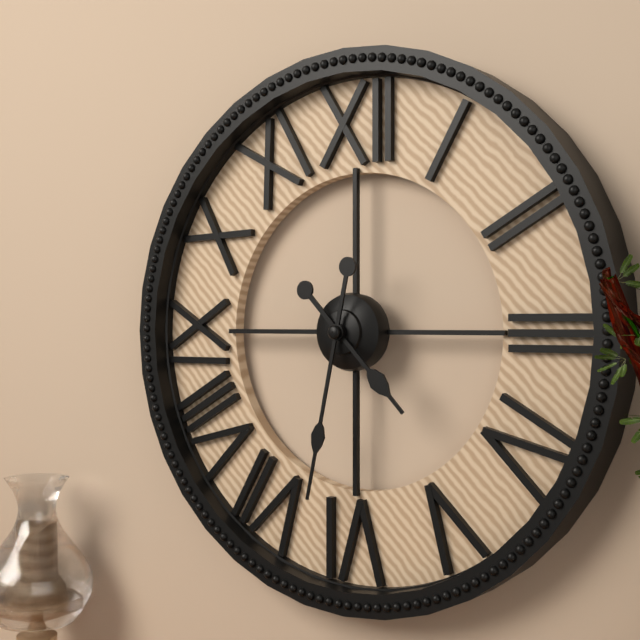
4:32
